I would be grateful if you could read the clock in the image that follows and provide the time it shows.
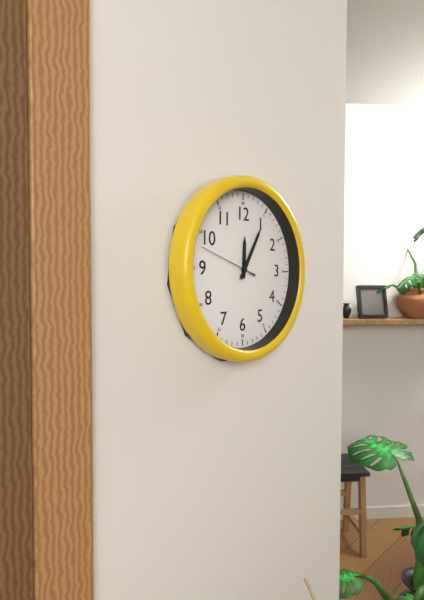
12:05:48
